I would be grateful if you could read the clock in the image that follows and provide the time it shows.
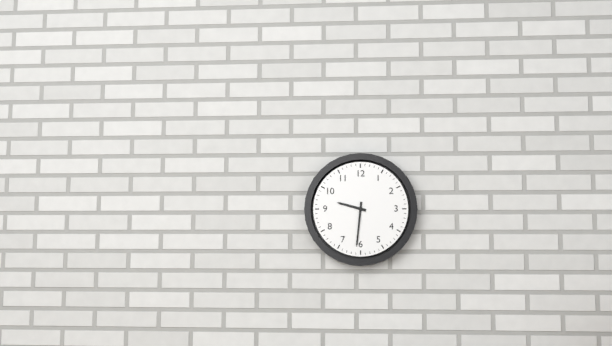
9:31
